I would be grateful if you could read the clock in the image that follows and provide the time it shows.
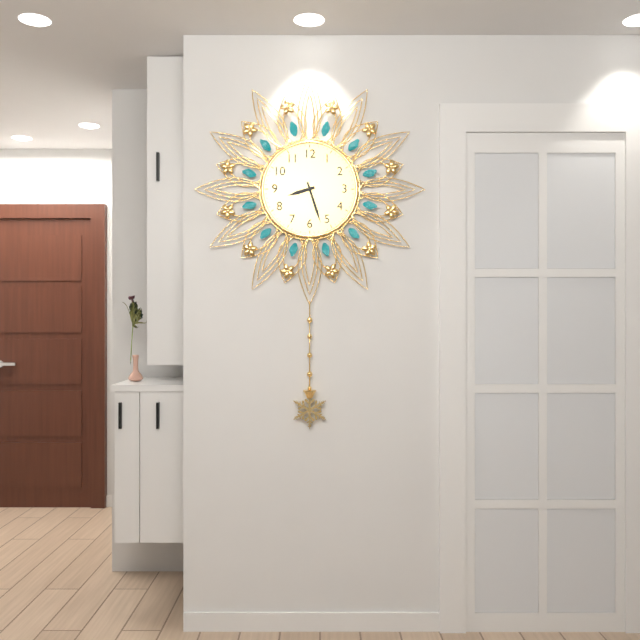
8:27
